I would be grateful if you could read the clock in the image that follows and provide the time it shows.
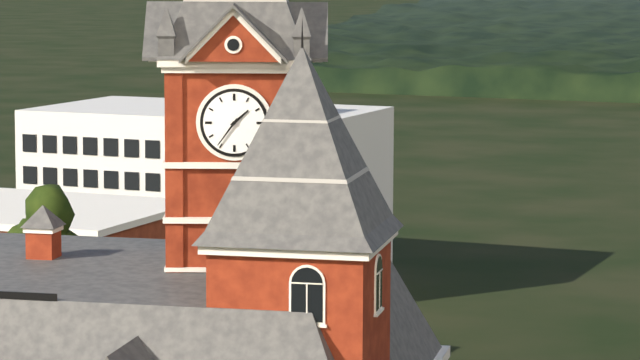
1:36
